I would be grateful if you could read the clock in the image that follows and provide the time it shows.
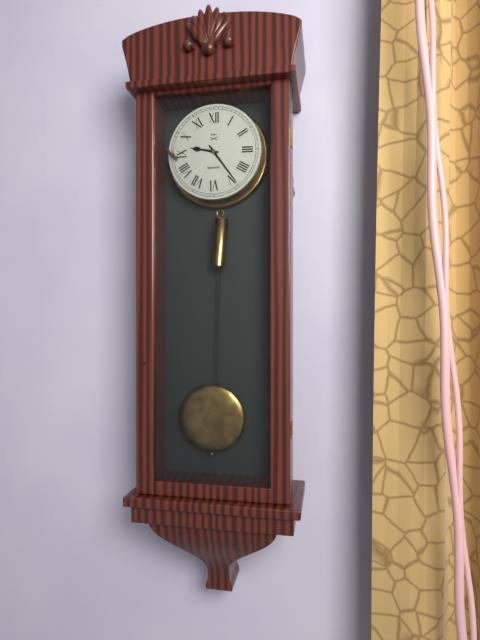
9:24
